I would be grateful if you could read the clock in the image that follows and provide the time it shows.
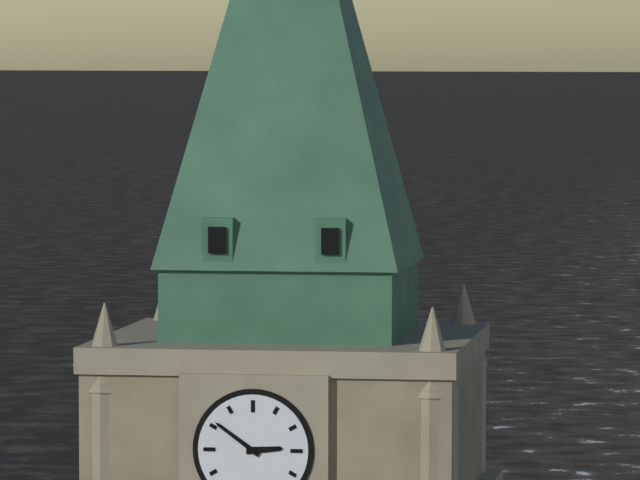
2:51
